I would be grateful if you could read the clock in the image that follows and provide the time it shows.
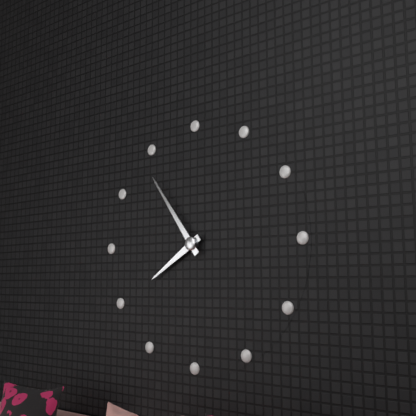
7:54
